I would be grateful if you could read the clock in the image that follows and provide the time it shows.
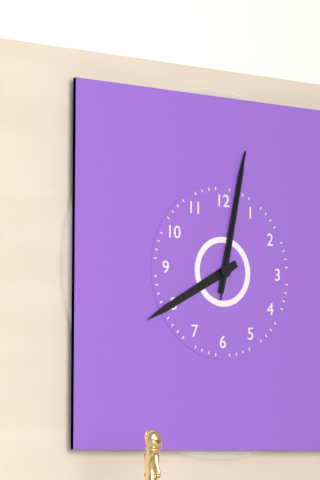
8:02:02
